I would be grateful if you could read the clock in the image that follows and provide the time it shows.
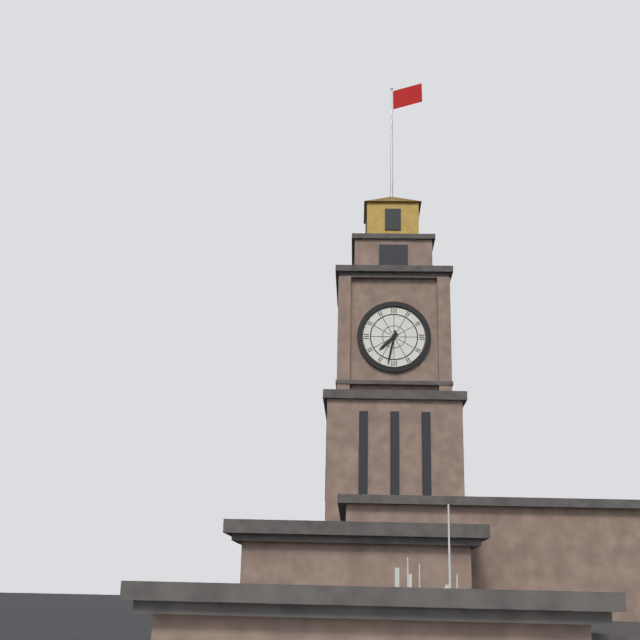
7:32
